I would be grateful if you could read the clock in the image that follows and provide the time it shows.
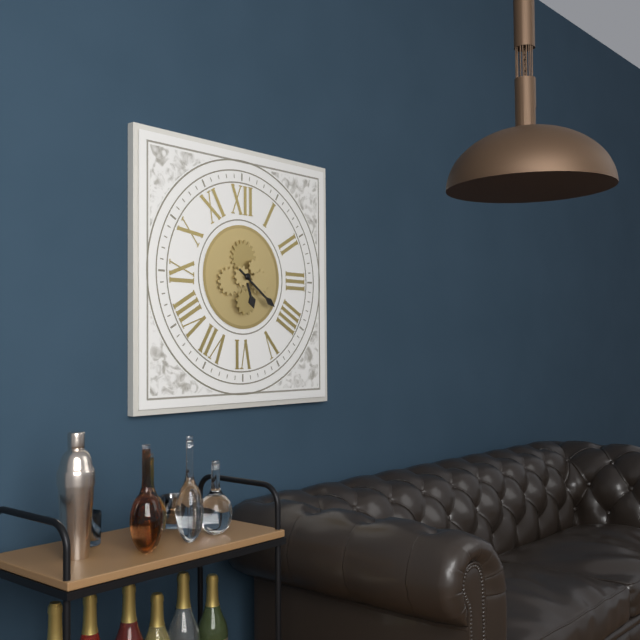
5:21
